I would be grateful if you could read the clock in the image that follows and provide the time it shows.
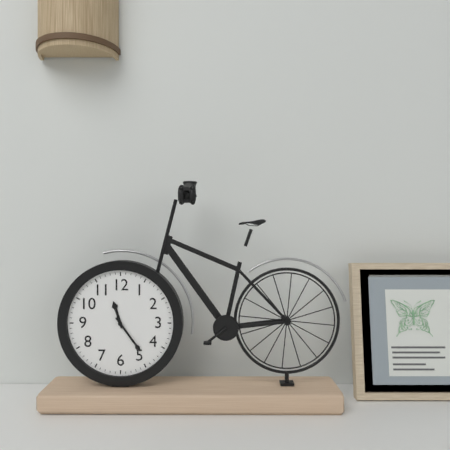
11:24
